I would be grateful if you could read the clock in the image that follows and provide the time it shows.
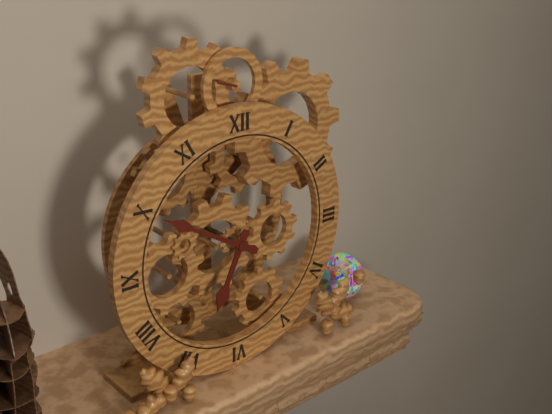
6:50
